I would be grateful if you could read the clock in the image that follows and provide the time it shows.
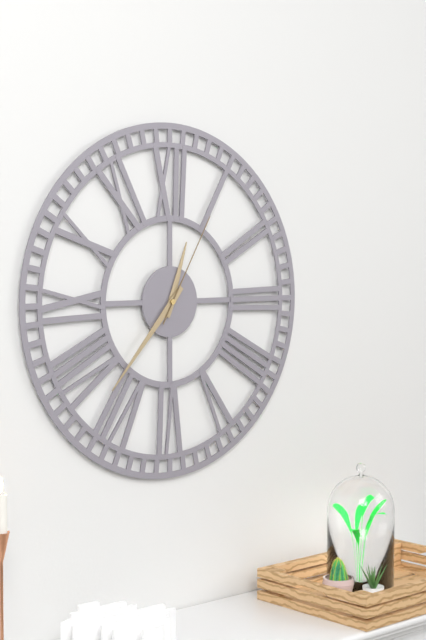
12:37:05
